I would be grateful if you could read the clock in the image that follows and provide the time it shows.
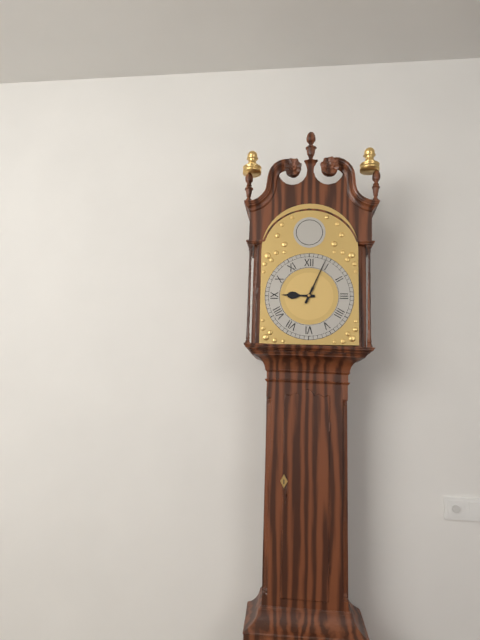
9:04
